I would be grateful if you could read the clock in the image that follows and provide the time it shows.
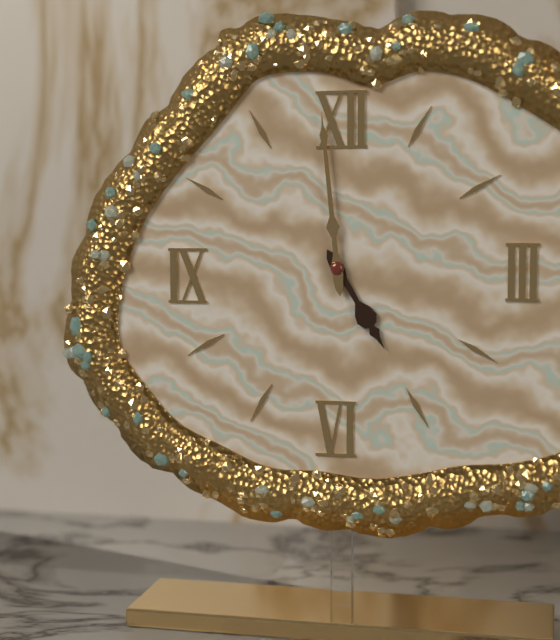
4:59
